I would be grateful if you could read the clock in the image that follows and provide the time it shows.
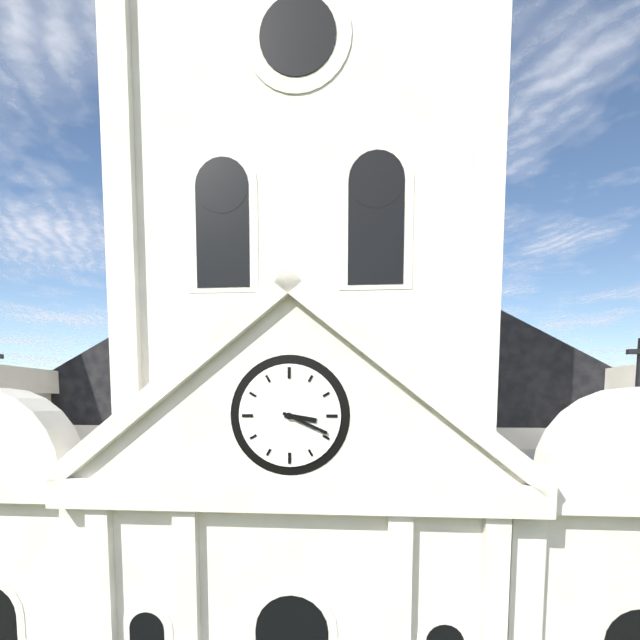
3:19
